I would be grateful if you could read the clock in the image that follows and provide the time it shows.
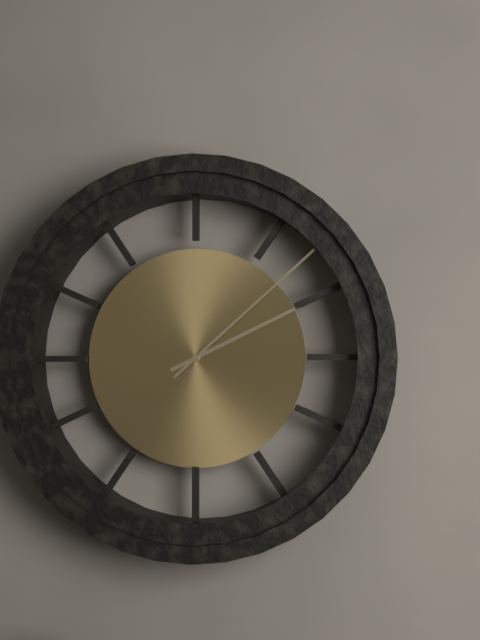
2:08
